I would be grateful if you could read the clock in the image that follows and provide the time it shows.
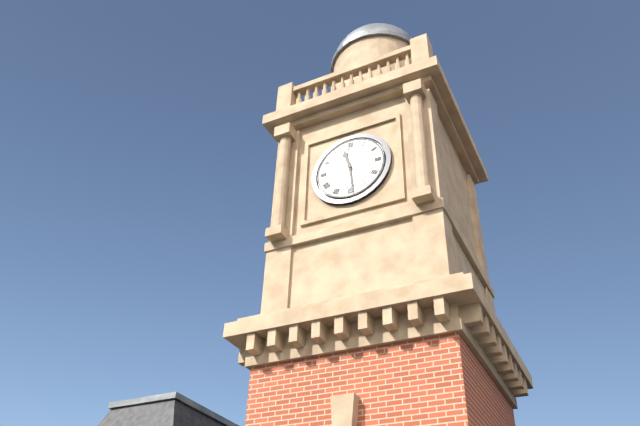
11:29
